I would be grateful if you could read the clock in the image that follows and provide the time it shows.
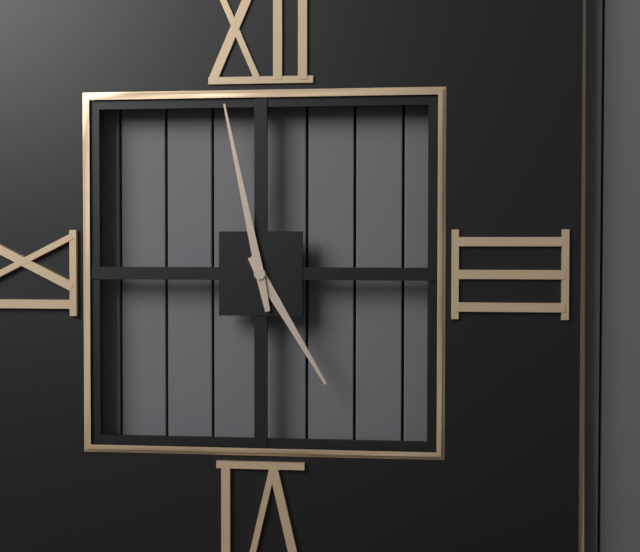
4:58
